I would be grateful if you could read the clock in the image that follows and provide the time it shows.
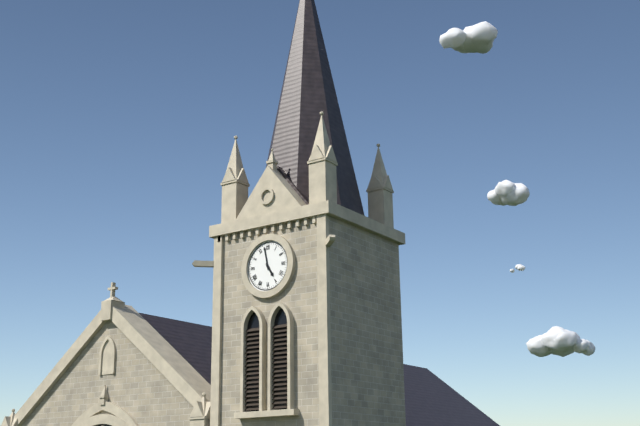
4:58
